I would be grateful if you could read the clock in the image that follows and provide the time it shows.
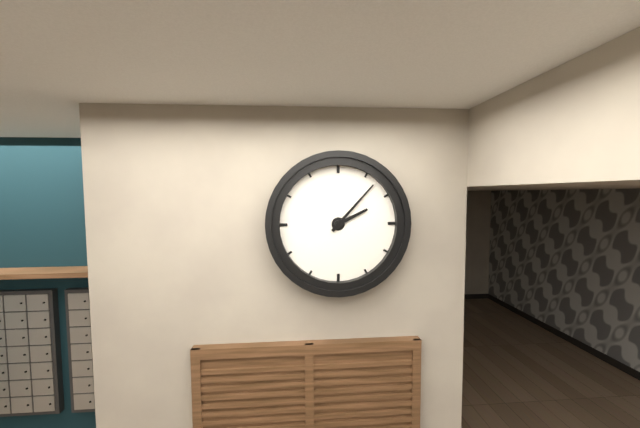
2:07
